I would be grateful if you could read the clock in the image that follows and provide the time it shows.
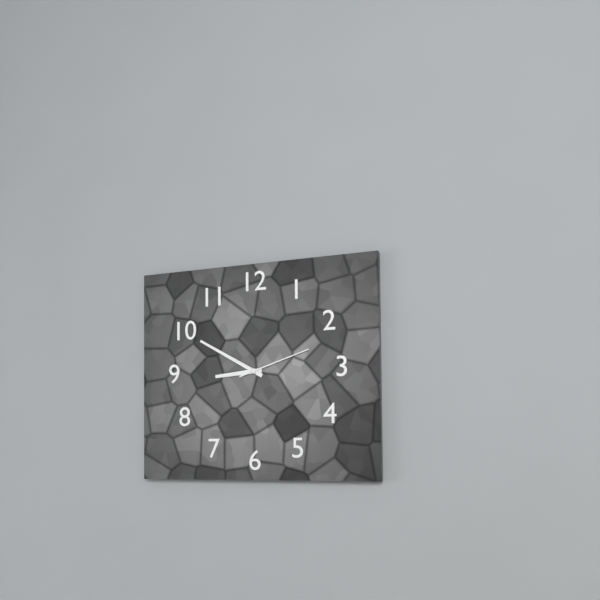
8:50:12
